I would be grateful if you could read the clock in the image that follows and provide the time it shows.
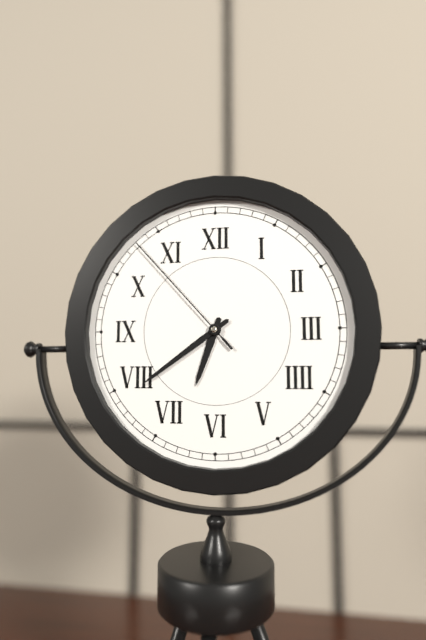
6:39:53
